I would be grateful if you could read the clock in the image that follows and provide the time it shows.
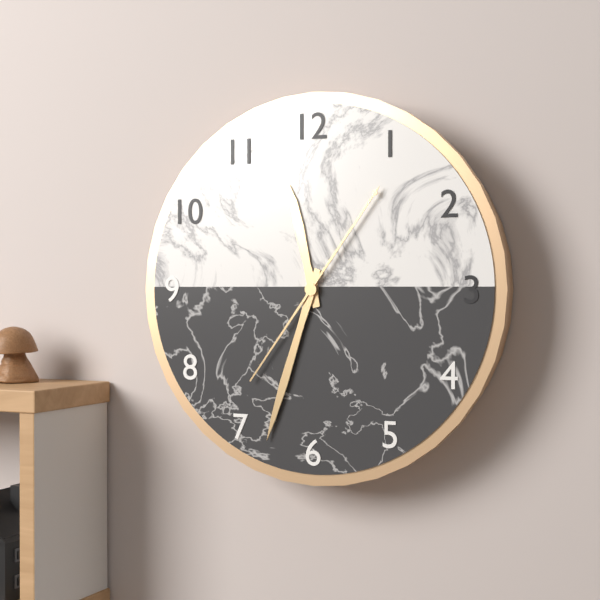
11:33:06
